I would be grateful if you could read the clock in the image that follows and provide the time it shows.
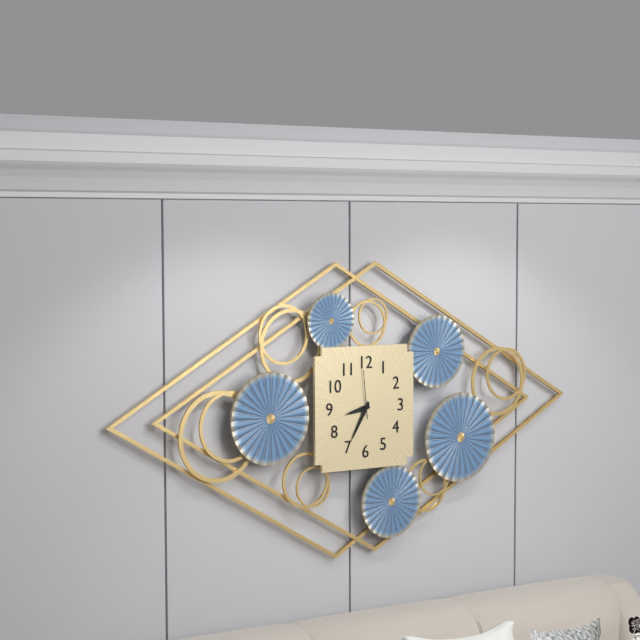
8:35
